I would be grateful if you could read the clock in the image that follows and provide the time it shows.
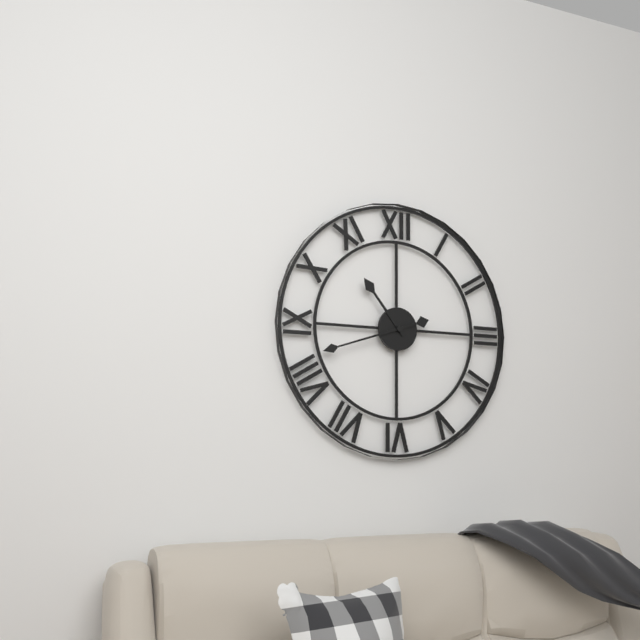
10:42
